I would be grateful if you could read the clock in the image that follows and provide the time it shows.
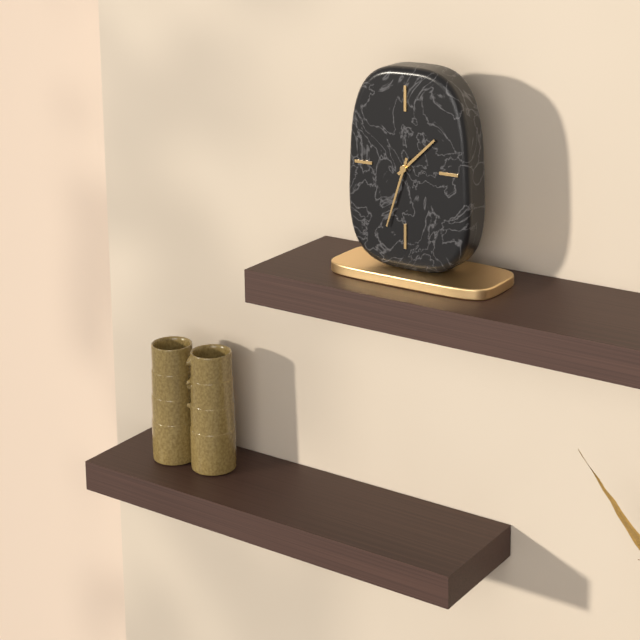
1:33
